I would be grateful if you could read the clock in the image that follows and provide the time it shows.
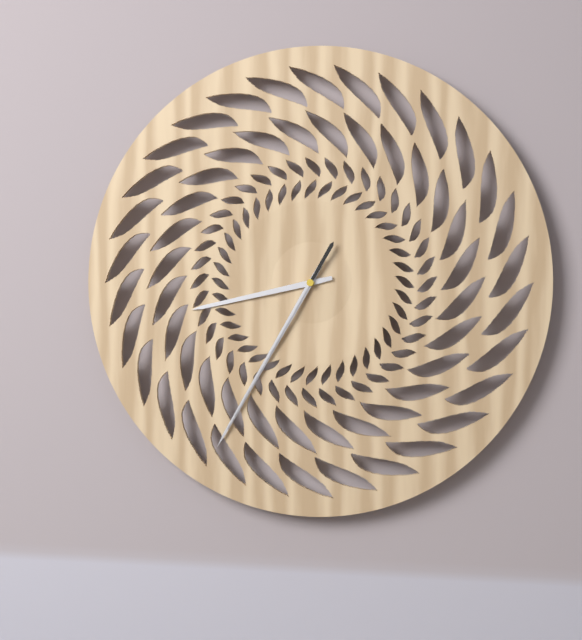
8:35:35
